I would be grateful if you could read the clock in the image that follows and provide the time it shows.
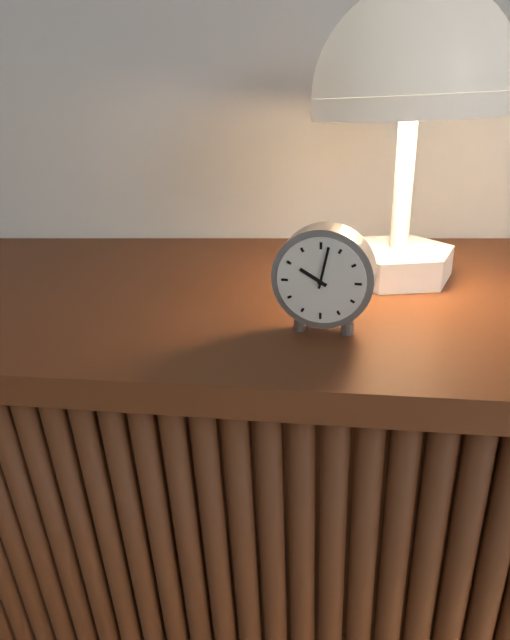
10:02
